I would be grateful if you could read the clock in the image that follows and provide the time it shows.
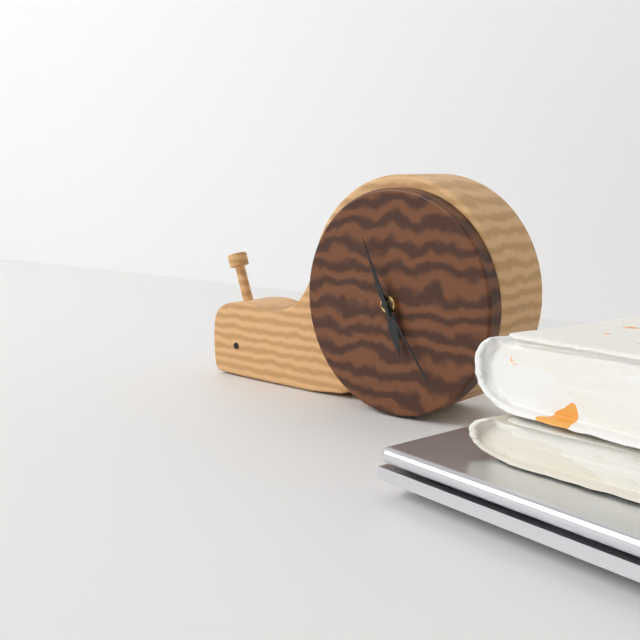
5:24:56
